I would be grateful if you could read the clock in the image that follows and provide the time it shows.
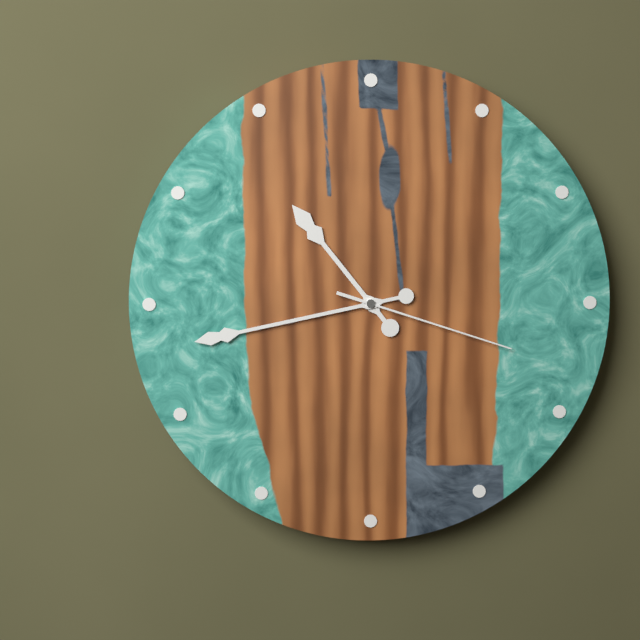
10:43:18
